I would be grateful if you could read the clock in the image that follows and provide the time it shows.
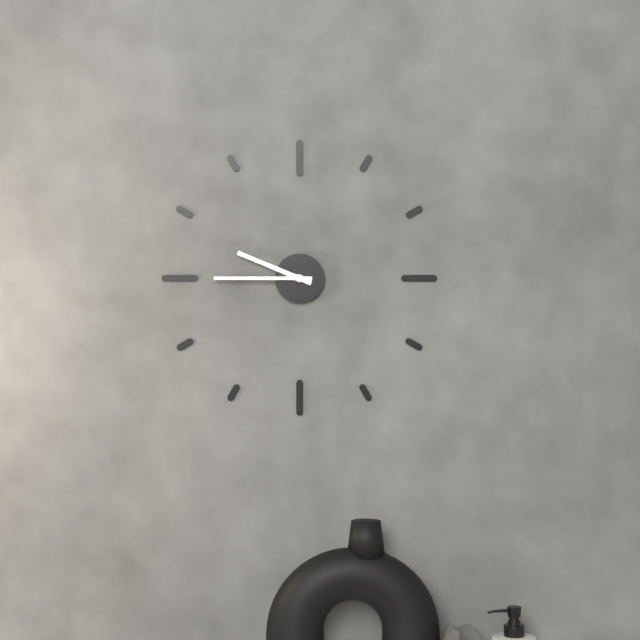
9:45
